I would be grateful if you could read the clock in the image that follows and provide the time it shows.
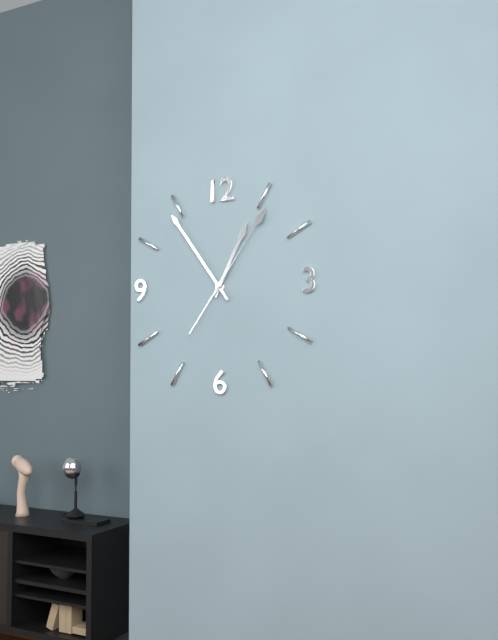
12:54:06
